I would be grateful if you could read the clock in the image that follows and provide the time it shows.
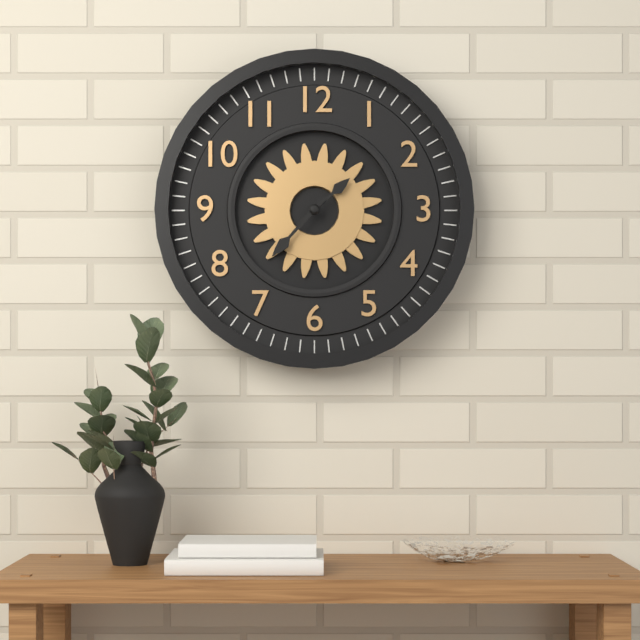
1:37
